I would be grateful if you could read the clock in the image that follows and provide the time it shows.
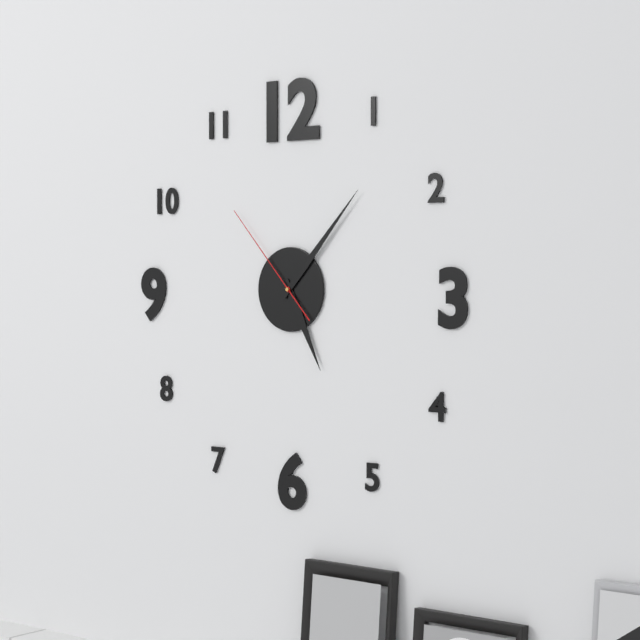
5:07:53
